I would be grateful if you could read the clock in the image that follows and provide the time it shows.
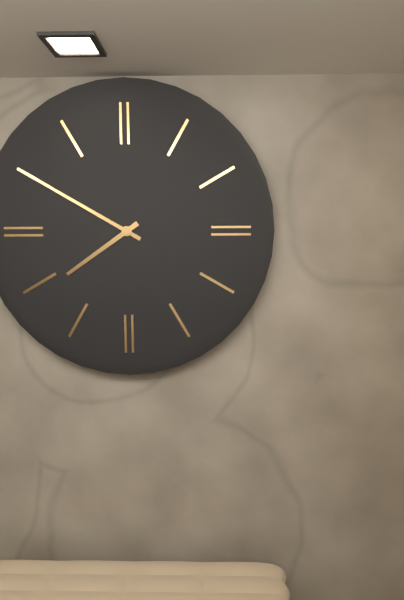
7:50
